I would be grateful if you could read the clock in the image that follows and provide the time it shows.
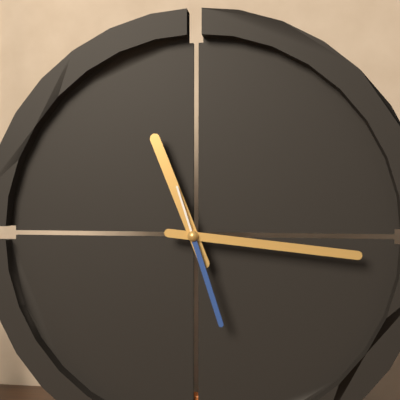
11:16:27
